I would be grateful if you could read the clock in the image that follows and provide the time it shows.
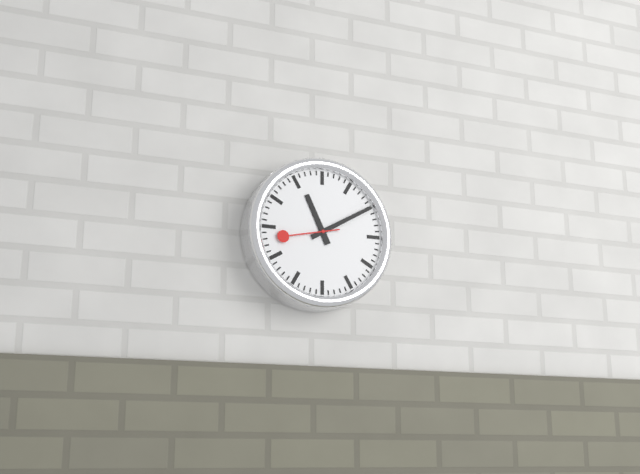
11:10
